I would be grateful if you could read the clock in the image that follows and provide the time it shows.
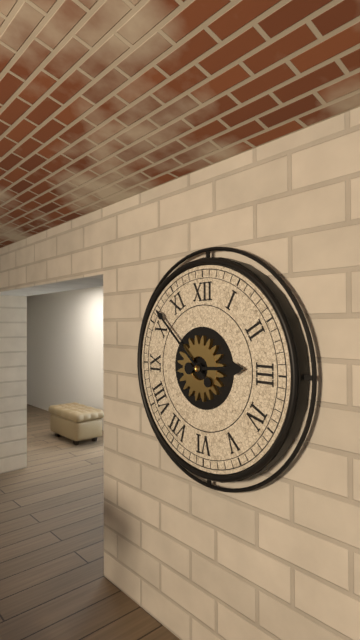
2:52
